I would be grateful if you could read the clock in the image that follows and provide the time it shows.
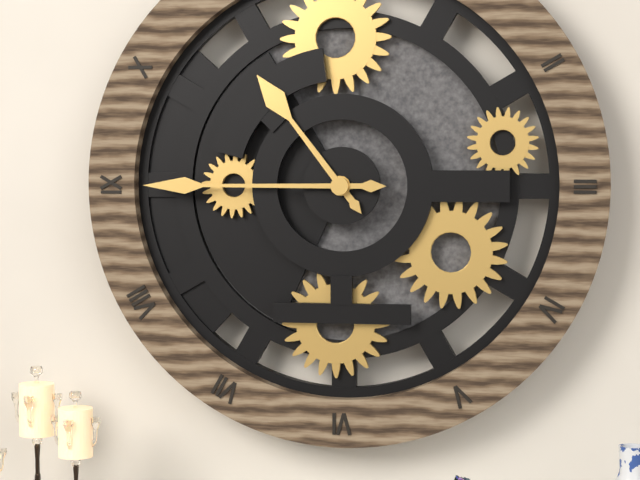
10:45
